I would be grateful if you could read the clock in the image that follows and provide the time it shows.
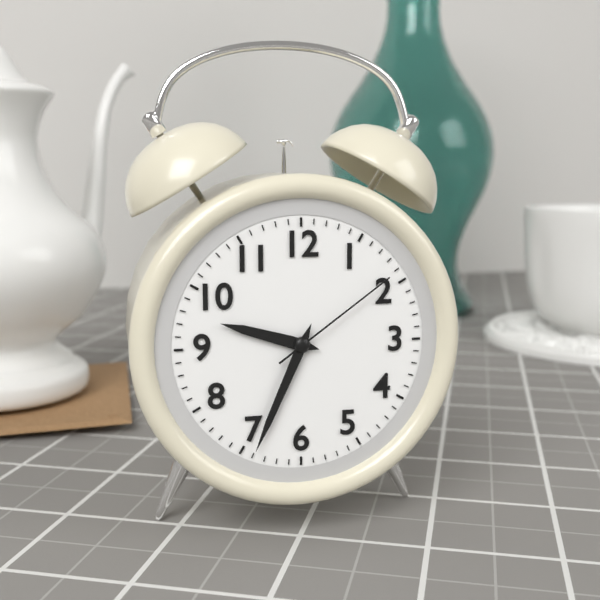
9:34:09
